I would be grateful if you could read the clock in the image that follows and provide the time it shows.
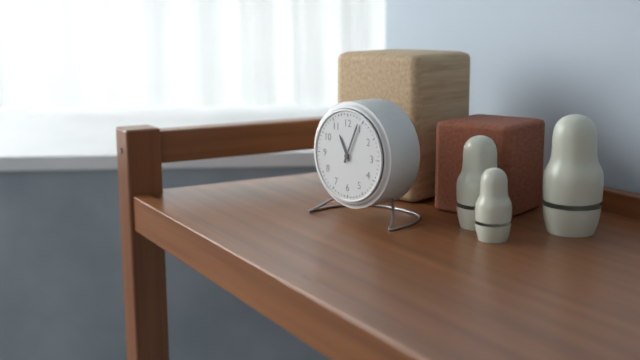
11:04
